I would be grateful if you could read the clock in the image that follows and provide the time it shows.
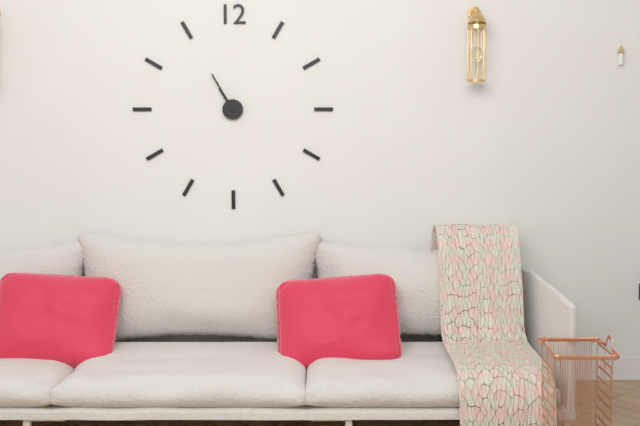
10:55
